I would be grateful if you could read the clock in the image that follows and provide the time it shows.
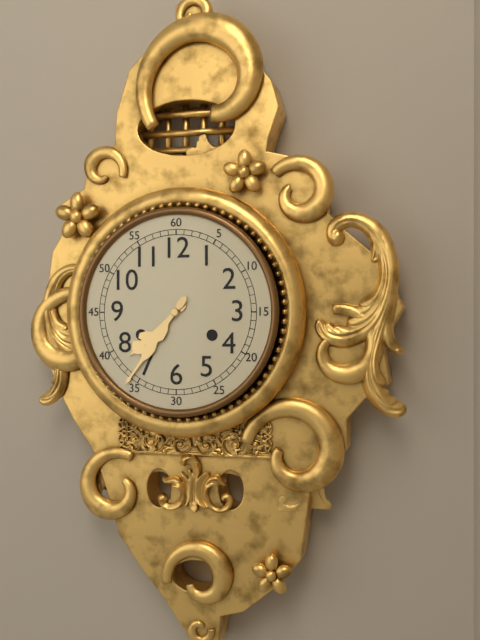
7:36
